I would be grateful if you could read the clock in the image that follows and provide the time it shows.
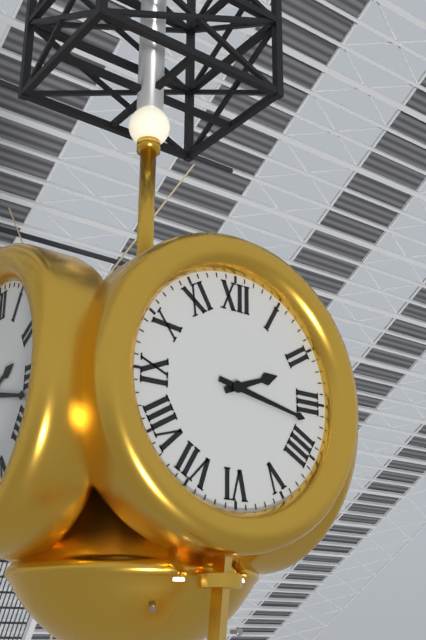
2:17
